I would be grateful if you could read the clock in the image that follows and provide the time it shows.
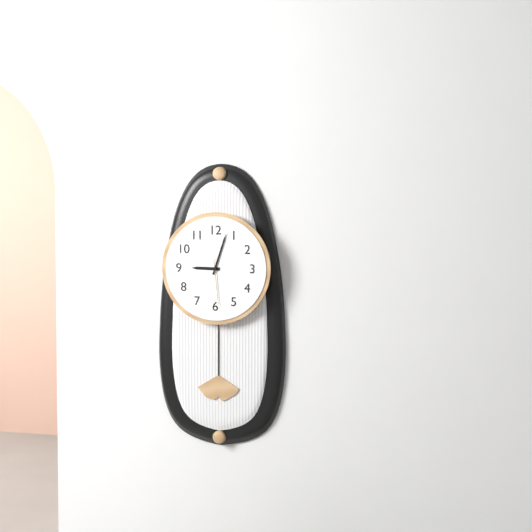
9:03:29
